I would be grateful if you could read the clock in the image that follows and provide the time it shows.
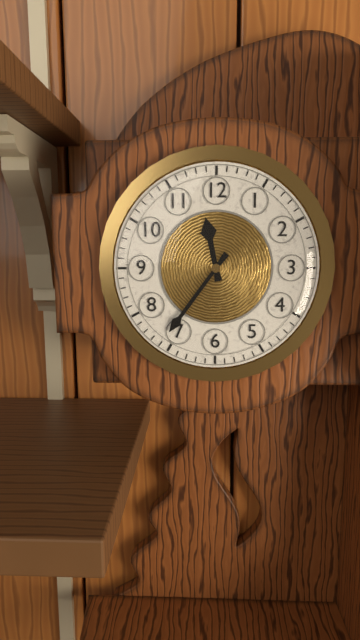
11:36
